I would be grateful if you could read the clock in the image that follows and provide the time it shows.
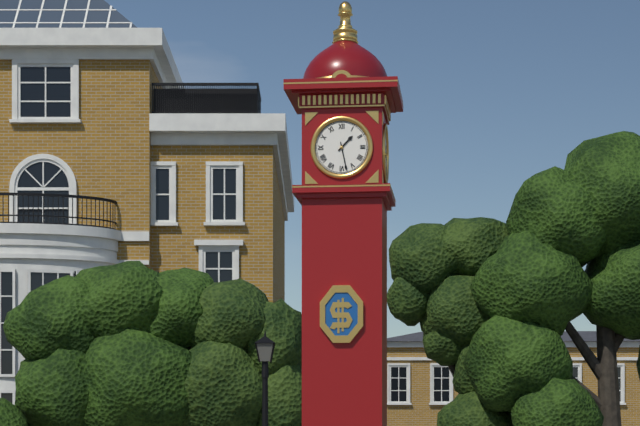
1:28
